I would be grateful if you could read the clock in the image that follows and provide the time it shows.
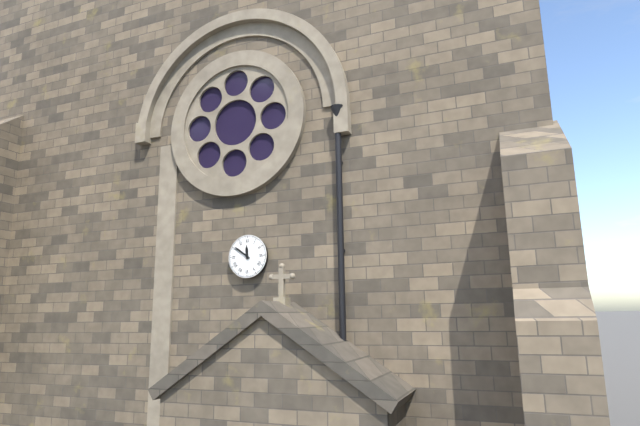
11:51
